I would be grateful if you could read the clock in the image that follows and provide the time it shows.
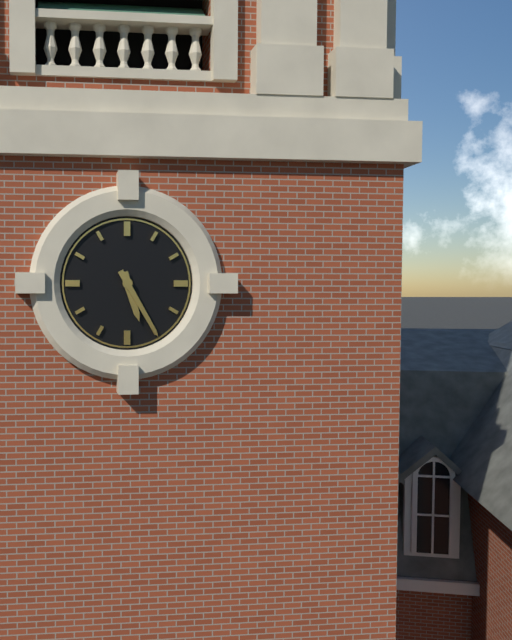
5:25
